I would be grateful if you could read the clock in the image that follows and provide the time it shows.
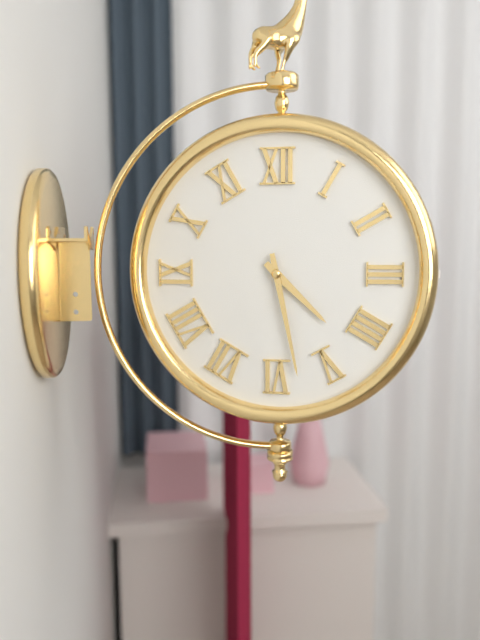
4:28
